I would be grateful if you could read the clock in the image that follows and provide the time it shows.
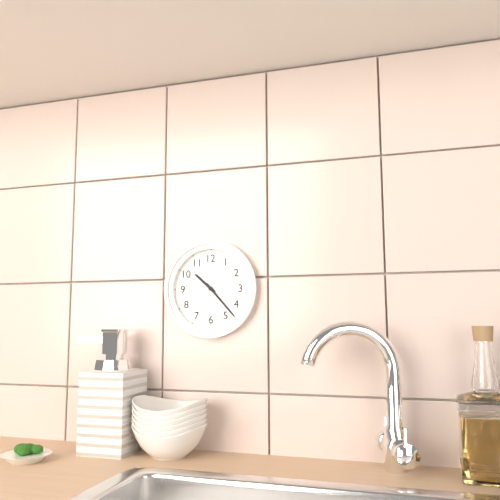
10:23
